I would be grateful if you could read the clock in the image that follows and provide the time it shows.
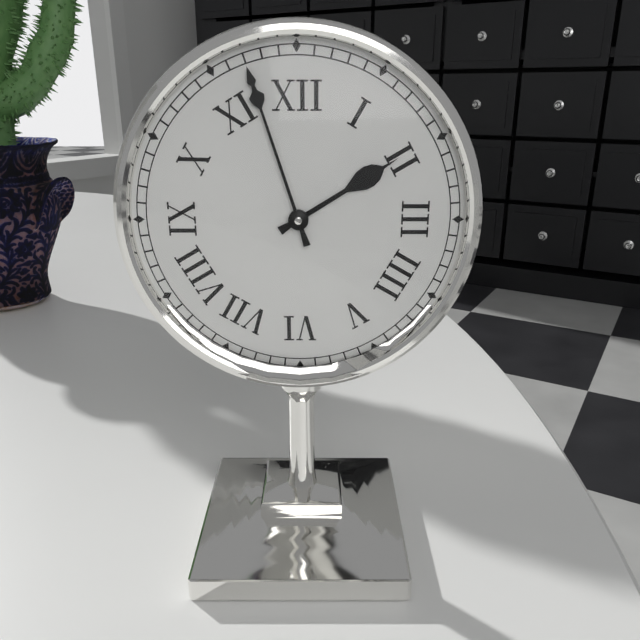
1:57
